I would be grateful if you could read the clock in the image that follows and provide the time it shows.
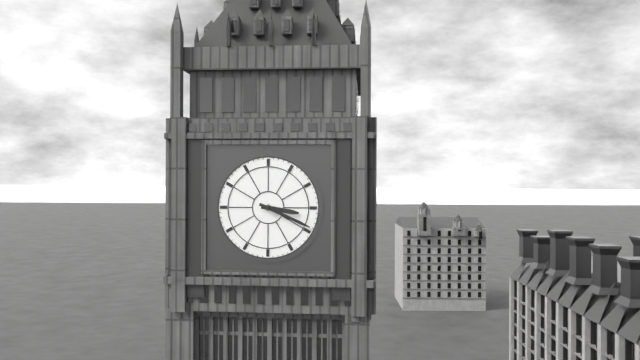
3:19
